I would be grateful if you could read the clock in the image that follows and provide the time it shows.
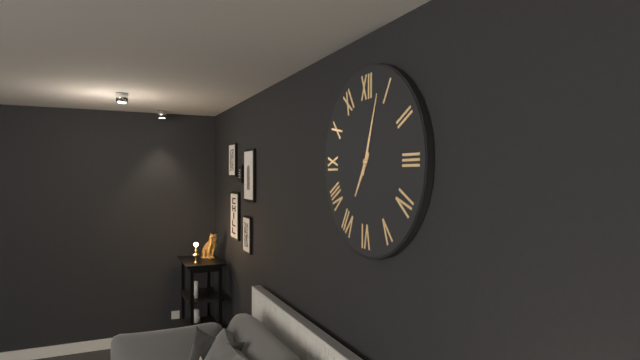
7:03
